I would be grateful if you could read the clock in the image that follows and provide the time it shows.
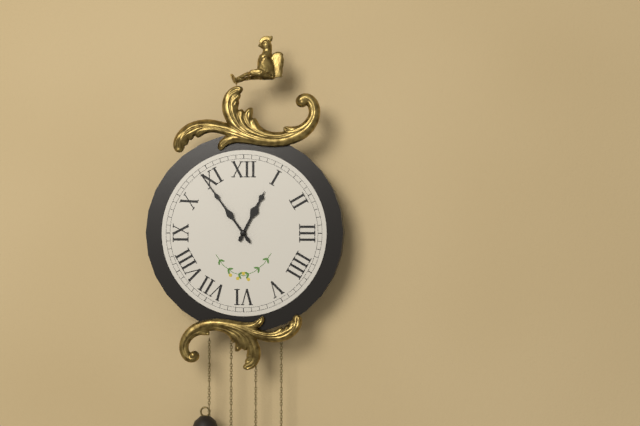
12:54
